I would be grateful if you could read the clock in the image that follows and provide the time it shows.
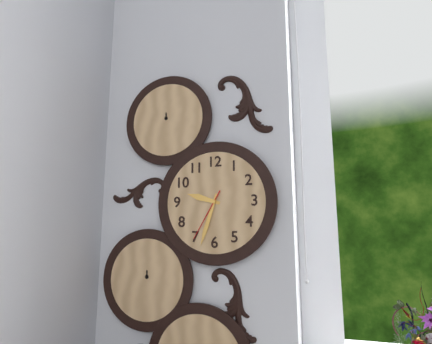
9:33:35
